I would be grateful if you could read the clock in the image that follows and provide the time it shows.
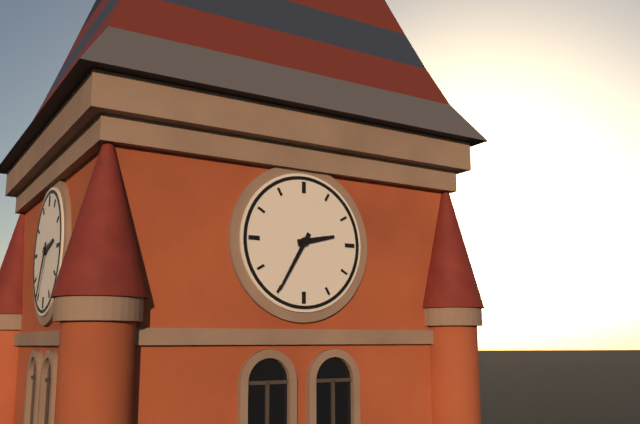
2:35
